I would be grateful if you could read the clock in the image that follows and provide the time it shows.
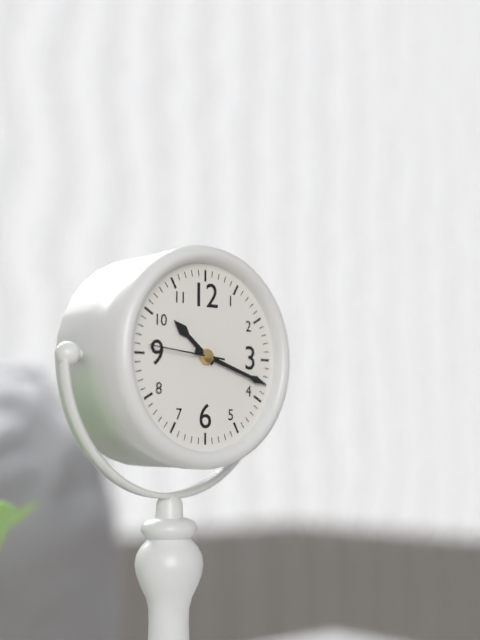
10:18:46
